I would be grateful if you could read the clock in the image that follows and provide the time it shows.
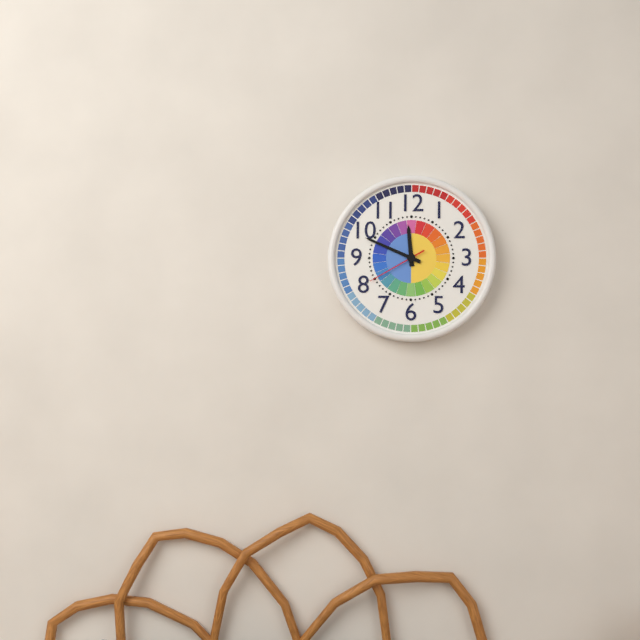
11:49:40
